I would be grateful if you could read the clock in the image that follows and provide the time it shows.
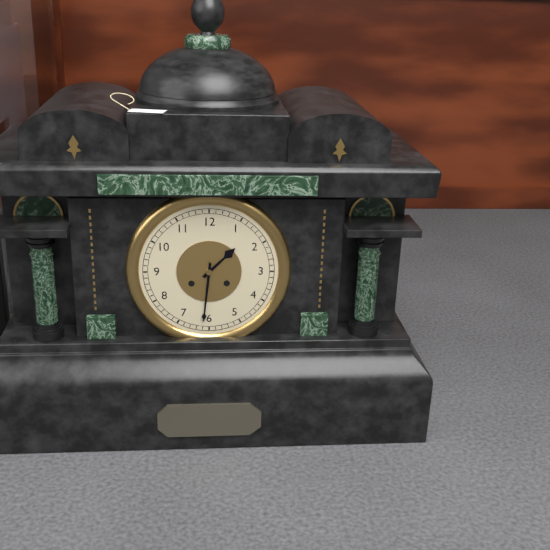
1:31
